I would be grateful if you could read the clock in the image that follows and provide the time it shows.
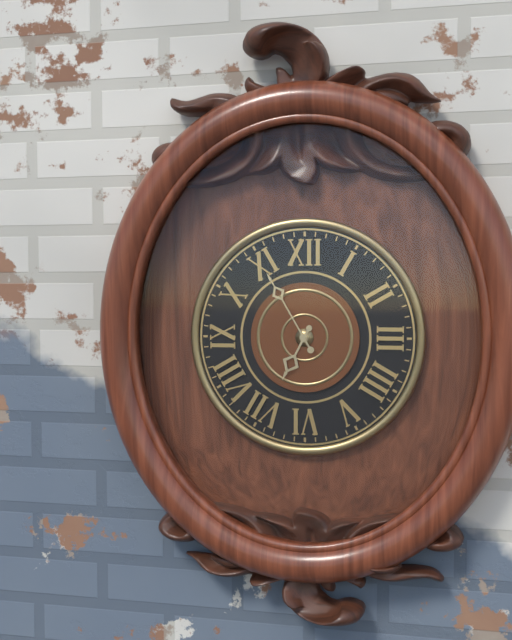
6:55
